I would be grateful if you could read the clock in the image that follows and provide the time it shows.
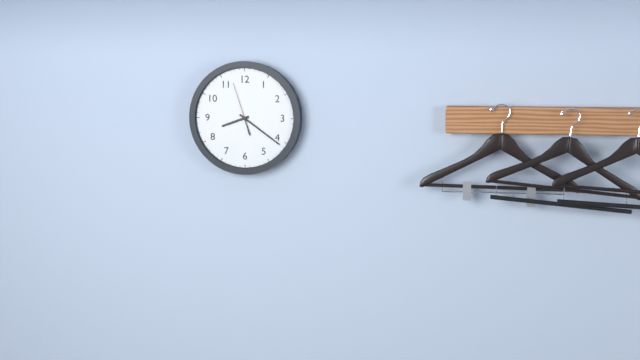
8:21
